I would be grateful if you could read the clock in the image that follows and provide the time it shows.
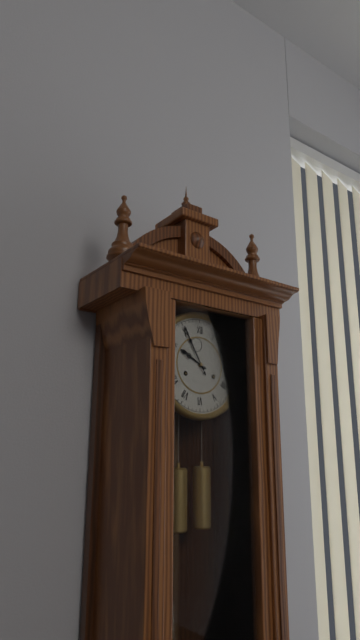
9:55
